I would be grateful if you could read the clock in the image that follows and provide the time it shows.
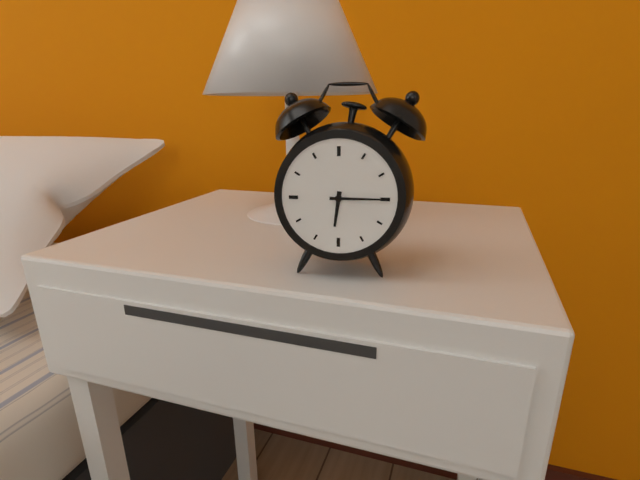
6:15
